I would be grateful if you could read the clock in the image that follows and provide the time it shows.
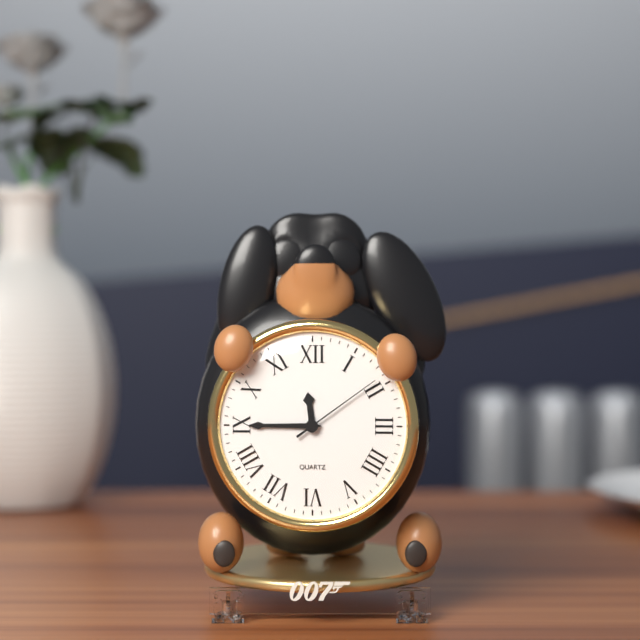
11:45:09
